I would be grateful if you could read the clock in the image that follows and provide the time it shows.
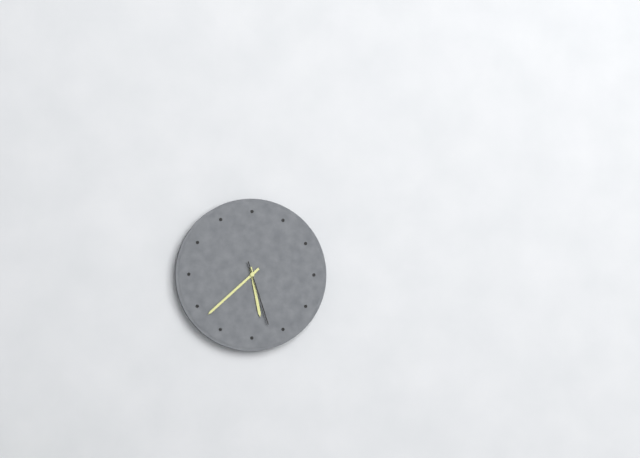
5:38:27
